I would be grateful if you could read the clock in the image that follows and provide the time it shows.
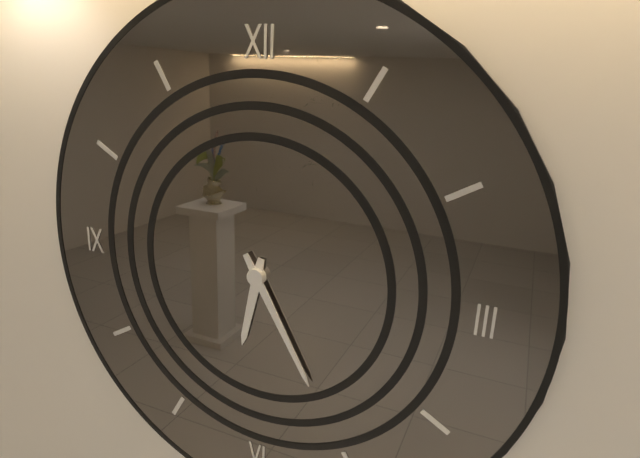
6:25
